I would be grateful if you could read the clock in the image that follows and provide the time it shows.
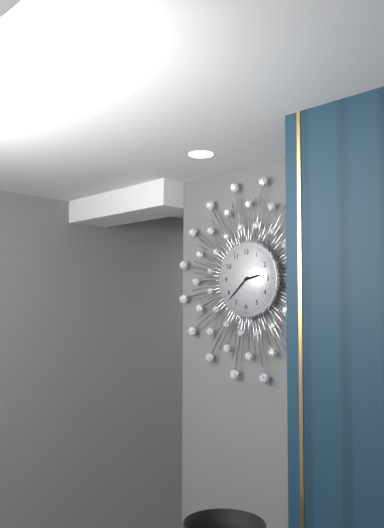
2:38
